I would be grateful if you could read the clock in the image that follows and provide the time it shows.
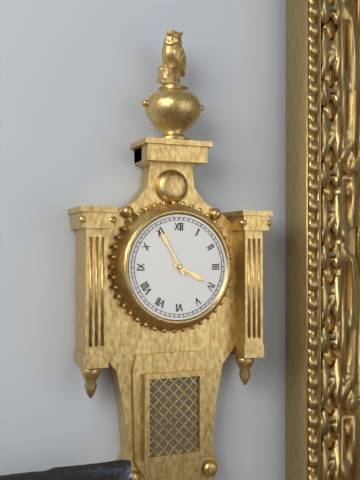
3:55
